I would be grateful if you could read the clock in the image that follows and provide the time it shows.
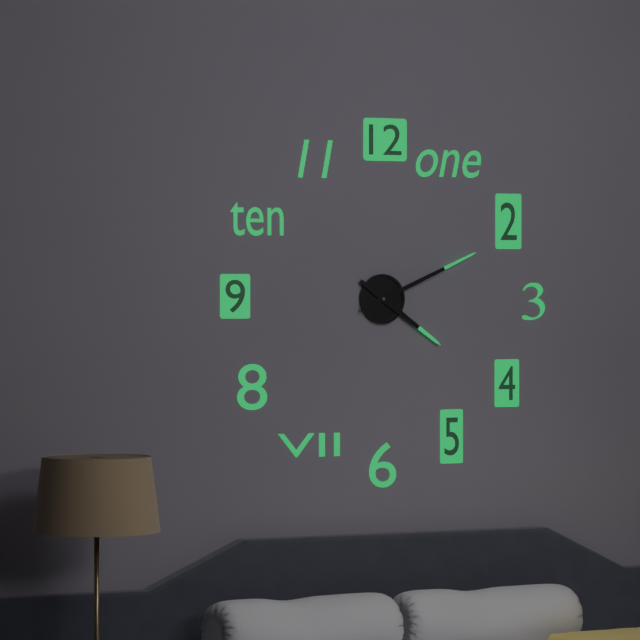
4:11
